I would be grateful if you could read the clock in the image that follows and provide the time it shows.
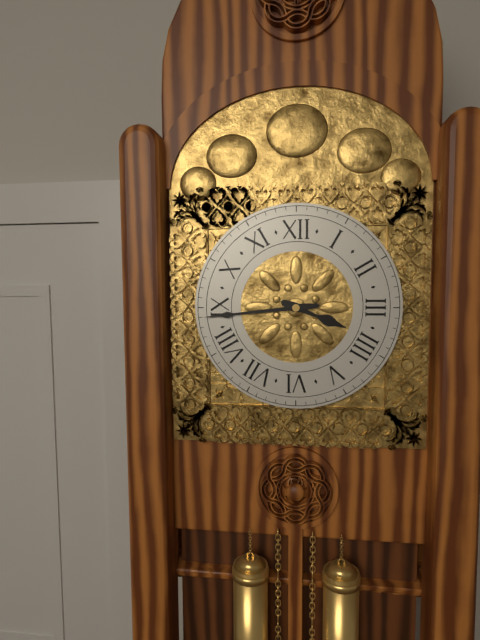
3:44
